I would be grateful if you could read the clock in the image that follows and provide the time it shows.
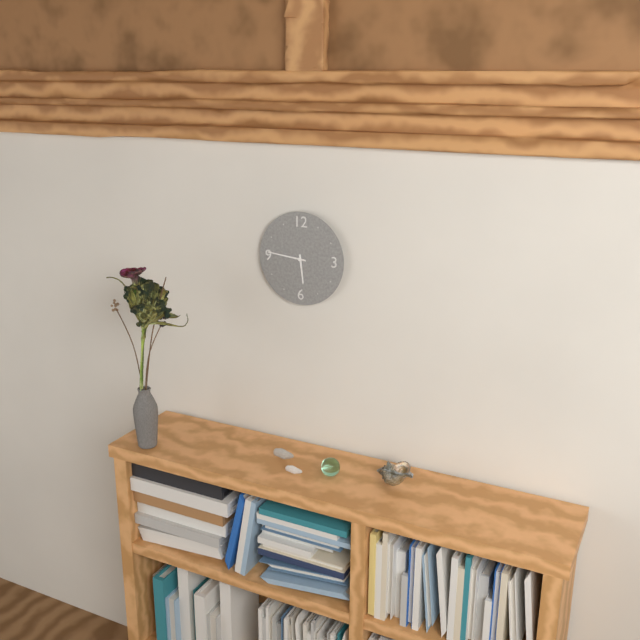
5:46
